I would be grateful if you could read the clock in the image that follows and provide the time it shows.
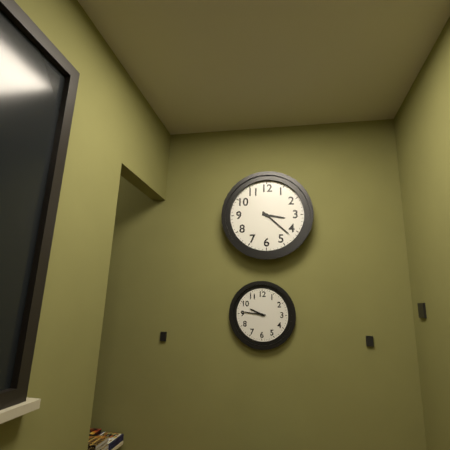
3:22
